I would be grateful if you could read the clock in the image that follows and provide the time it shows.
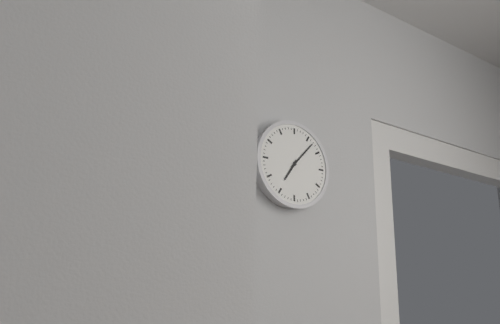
7:07
